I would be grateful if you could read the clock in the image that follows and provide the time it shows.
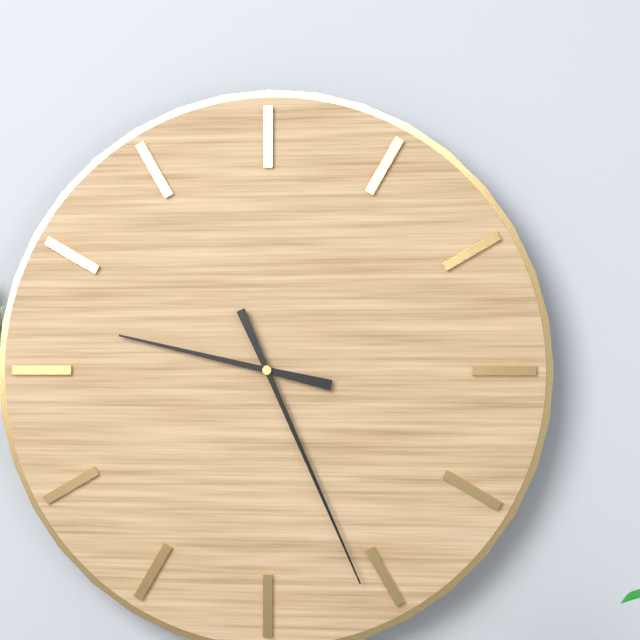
9:26
